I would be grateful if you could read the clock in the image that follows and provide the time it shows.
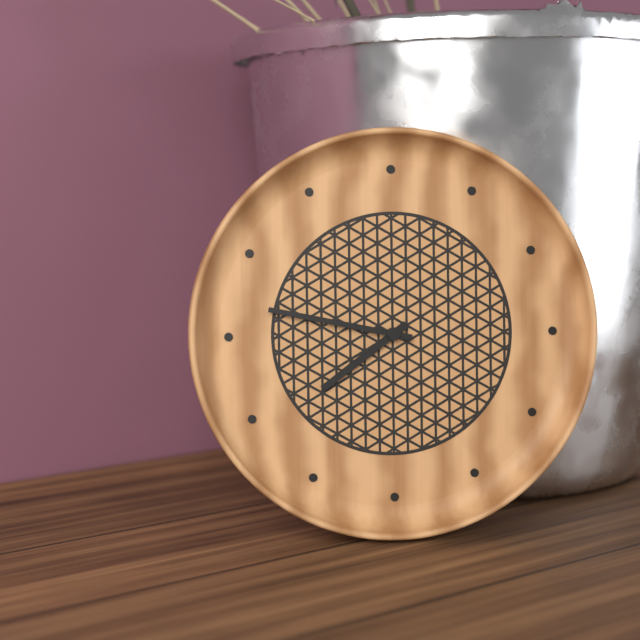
7:47
